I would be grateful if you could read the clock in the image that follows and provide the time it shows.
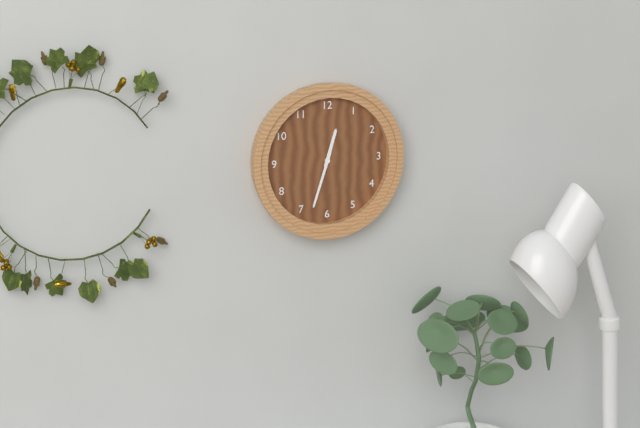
12:33
